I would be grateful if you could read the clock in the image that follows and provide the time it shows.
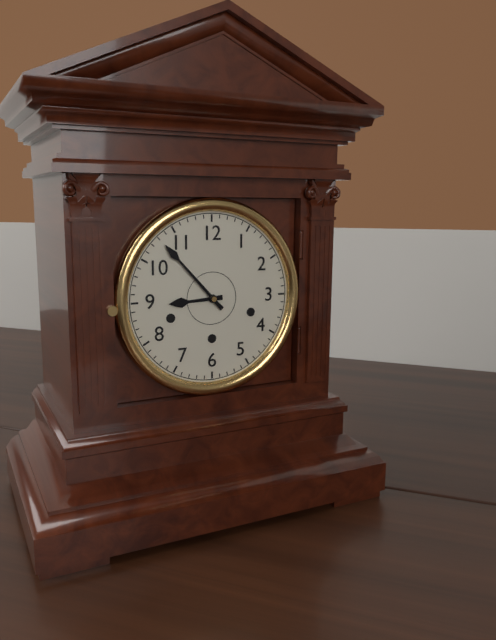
8:53
